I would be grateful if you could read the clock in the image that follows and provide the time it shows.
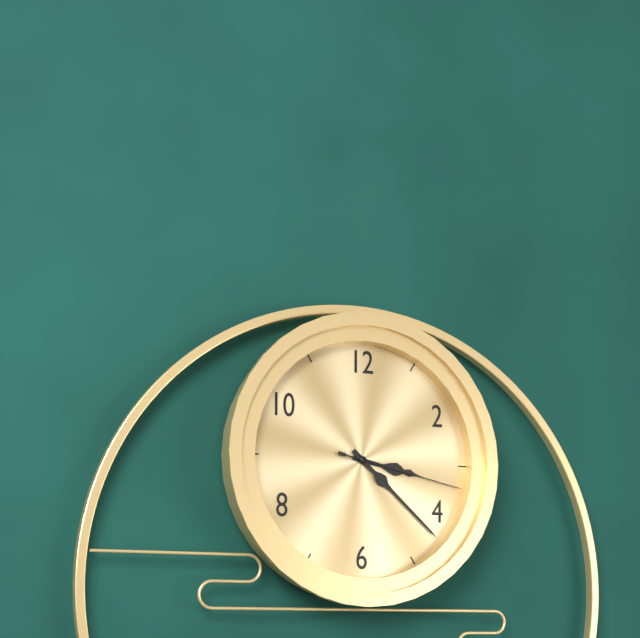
3:22:17
